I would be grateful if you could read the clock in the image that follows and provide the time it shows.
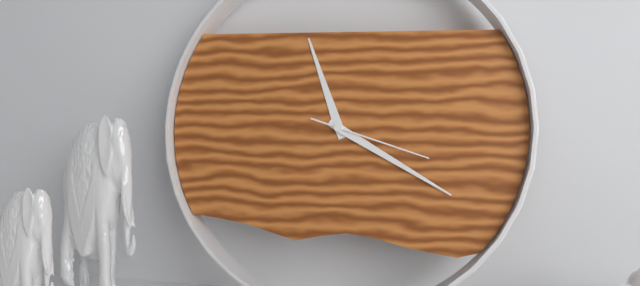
11:20:18
